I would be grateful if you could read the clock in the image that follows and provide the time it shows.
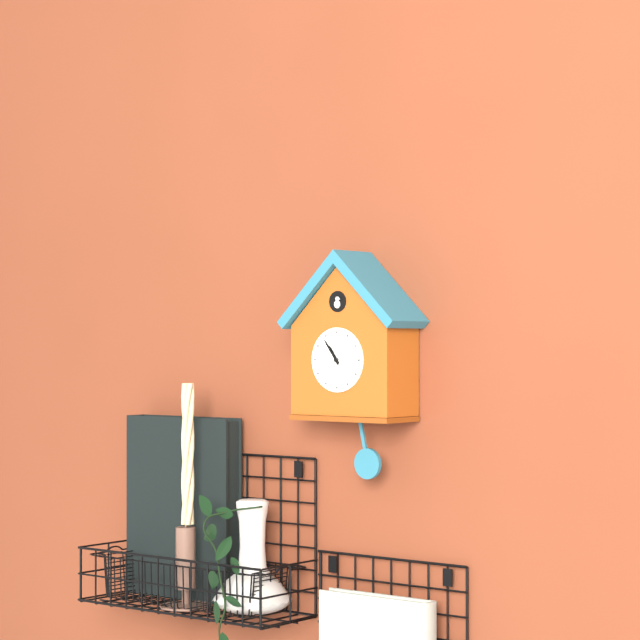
10:54
